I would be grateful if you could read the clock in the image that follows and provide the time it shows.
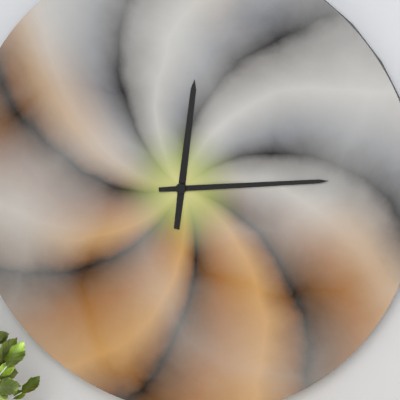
12:14
